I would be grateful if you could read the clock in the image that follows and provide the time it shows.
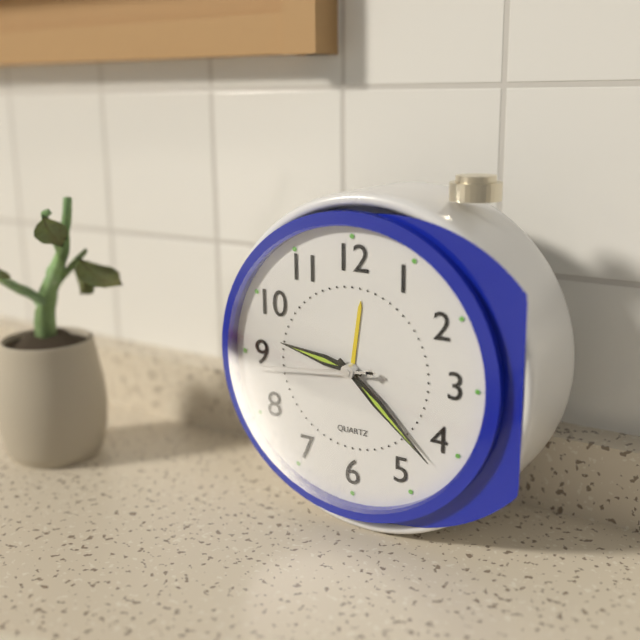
9:22:44
